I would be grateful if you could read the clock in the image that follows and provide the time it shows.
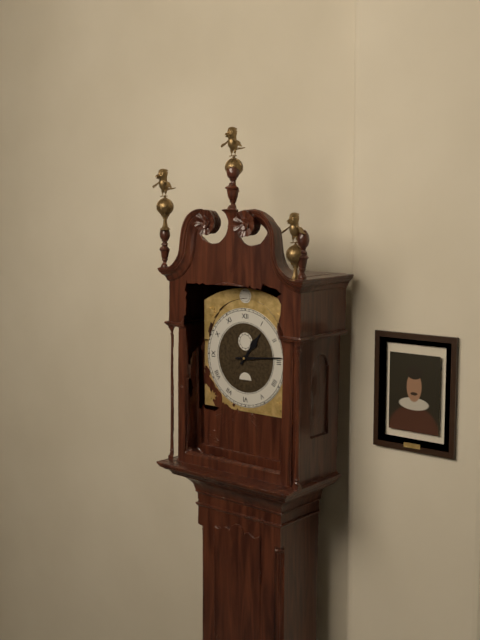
1:14
